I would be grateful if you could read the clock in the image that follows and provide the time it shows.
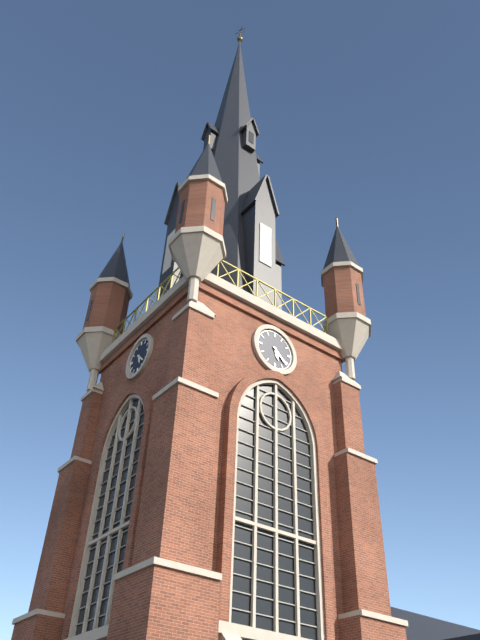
5:22
